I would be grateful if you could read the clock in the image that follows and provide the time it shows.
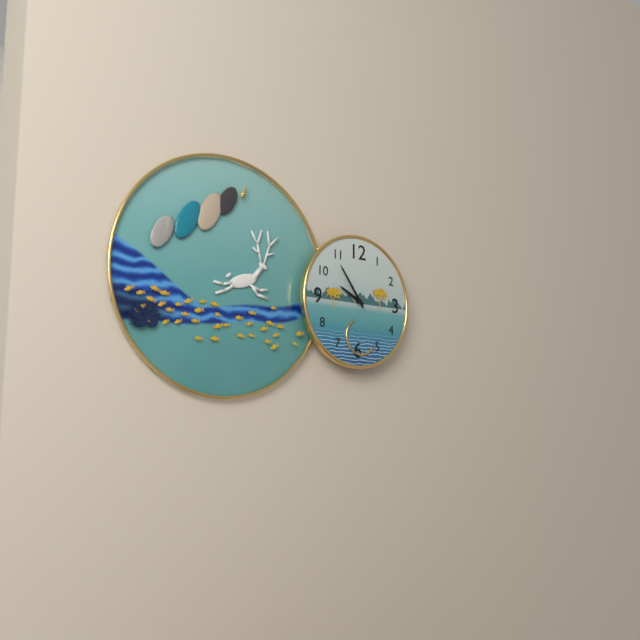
9:54
